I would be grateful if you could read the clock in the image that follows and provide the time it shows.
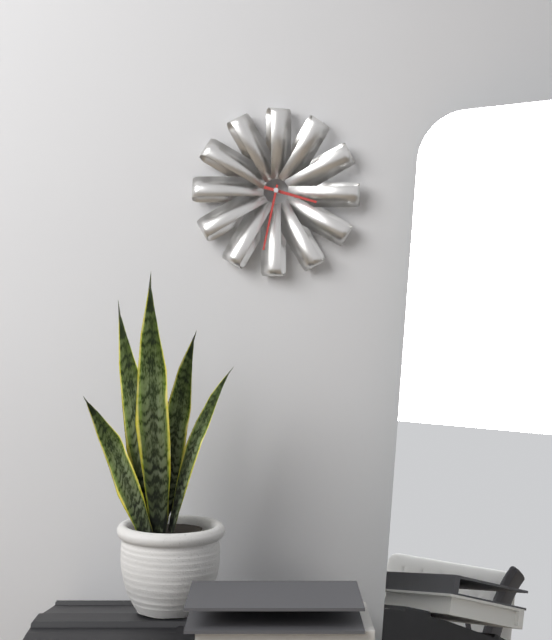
3:32
